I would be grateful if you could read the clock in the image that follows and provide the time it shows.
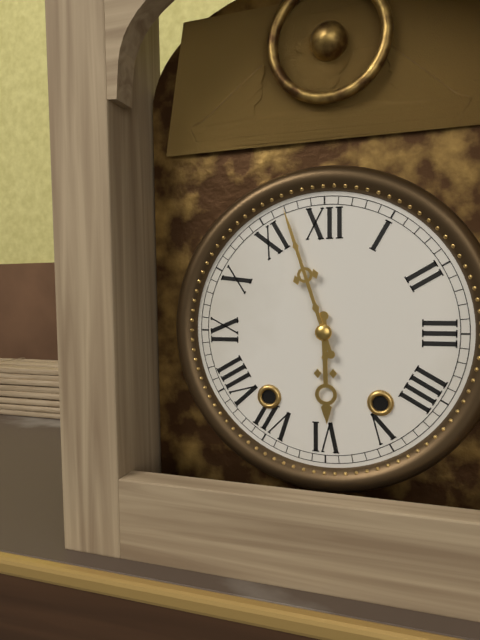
5:57
